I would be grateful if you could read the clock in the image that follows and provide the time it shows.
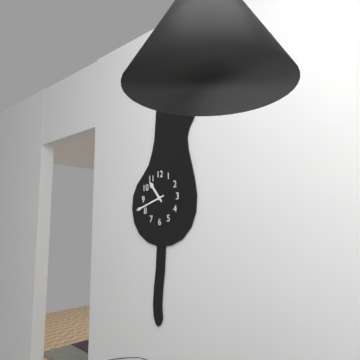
10:42
